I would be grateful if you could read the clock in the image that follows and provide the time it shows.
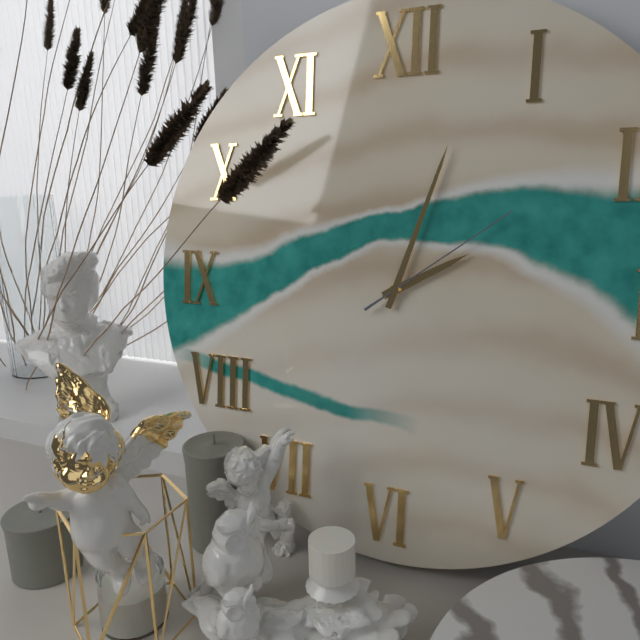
2:03:09
